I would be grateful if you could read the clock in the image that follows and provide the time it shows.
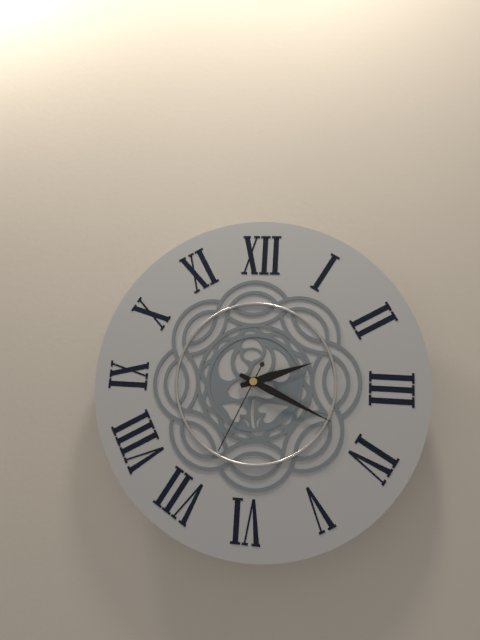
2:19:34
